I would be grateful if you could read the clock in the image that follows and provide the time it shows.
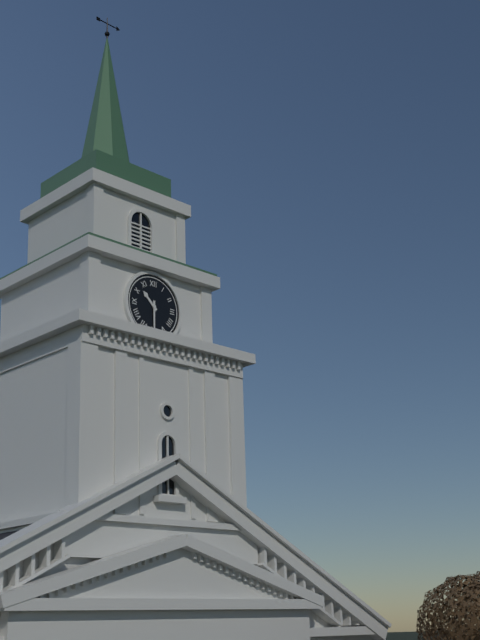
10:30
